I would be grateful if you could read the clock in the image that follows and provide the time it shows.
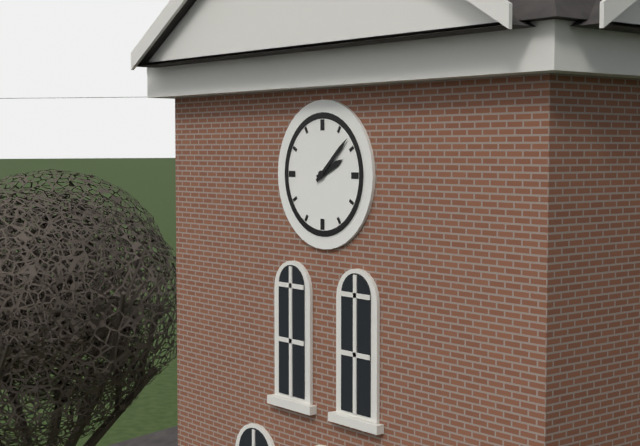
2:08
